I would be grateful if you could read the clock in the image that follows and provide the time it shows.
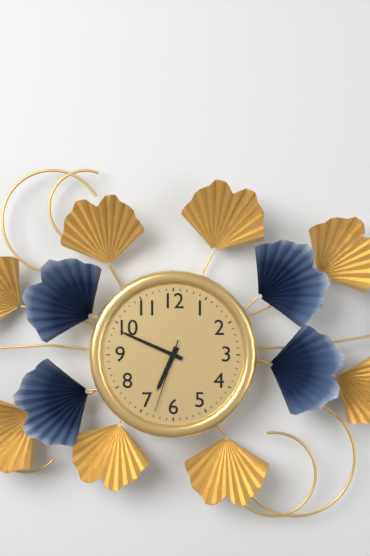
6:49:33
